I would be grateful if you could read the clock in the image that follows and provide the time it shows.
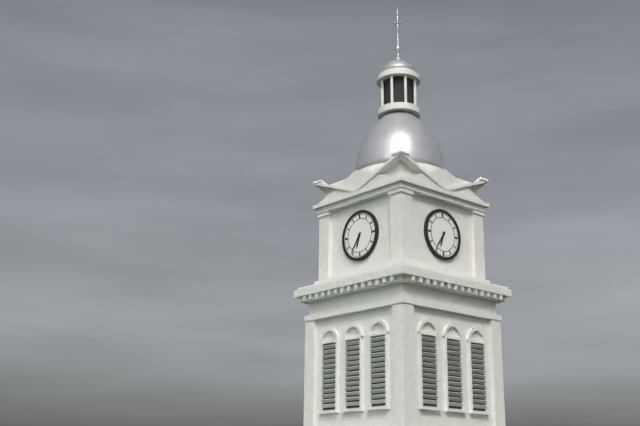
6:36
